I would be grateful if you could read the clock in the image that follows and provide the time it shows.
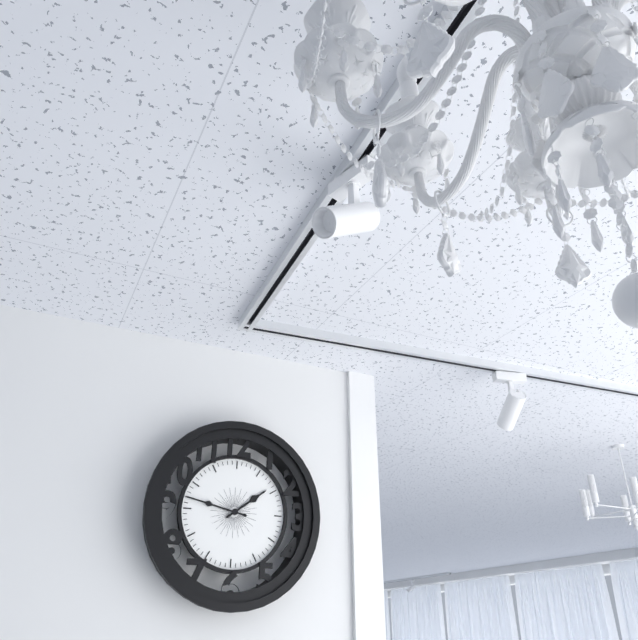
1:47
